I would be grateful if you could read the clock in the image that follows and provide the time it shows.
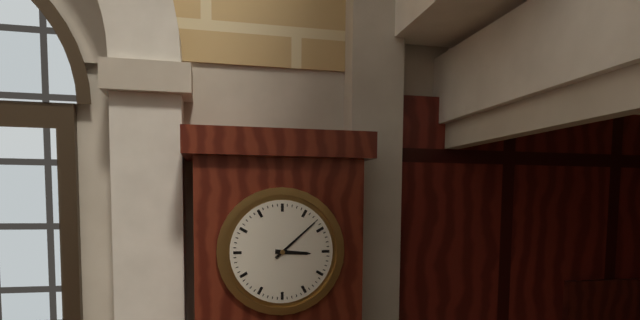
3:08
